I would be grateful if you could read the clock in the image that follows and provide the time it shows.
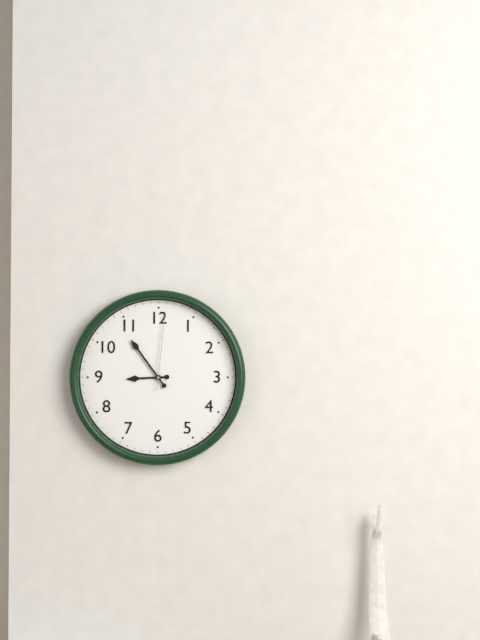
8:54:01
